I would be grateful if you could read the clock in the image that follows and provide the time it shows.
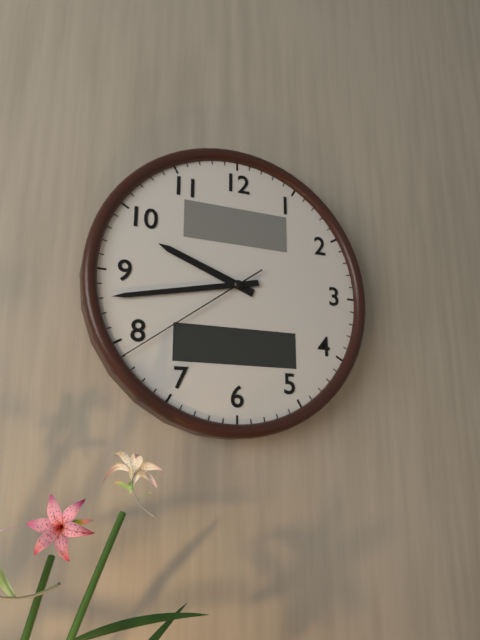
9:43:39
